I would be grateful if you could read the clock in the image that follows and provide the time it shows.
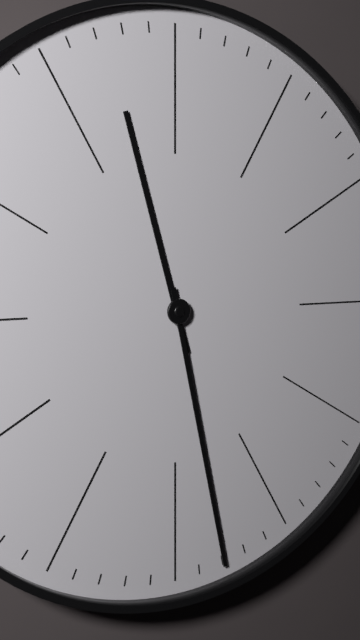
11:28
